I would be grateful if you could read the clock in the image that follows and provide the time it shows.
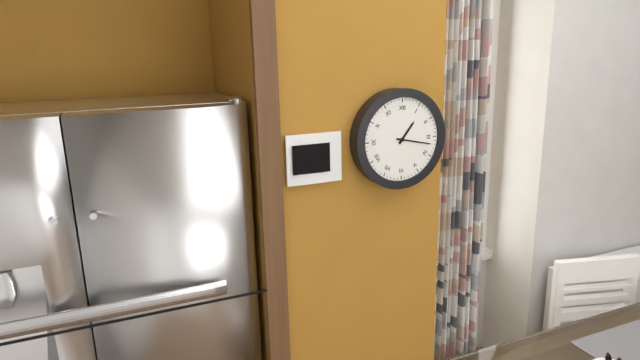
1:17
